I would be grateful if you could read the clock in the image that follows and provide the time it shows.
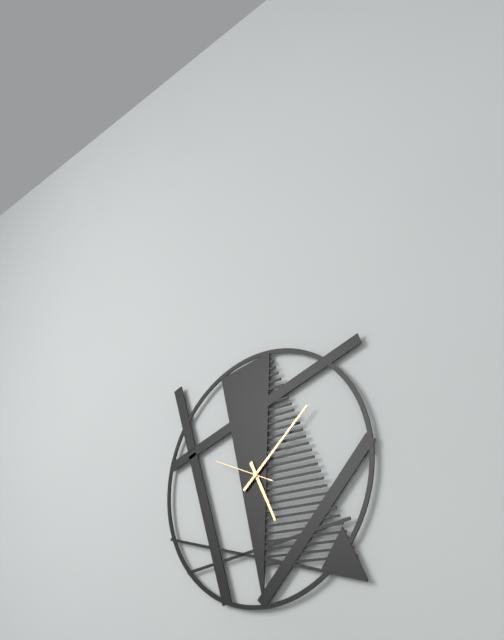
5:08:49
